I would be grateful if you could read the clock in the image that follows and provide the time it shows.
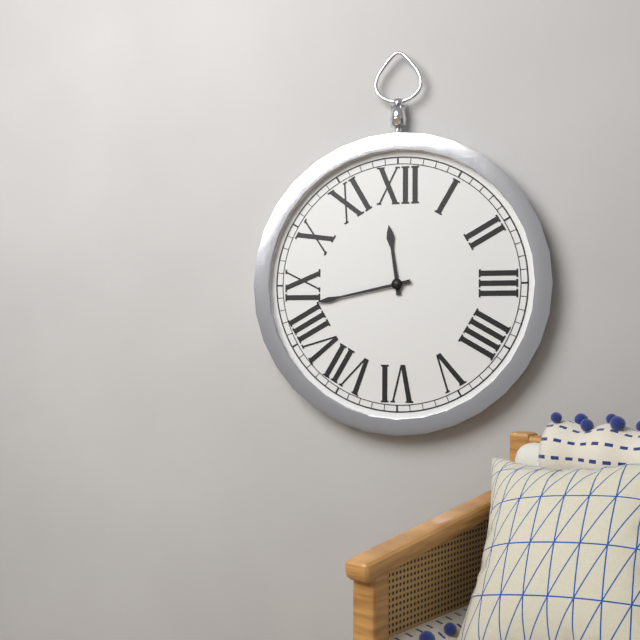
11:43
